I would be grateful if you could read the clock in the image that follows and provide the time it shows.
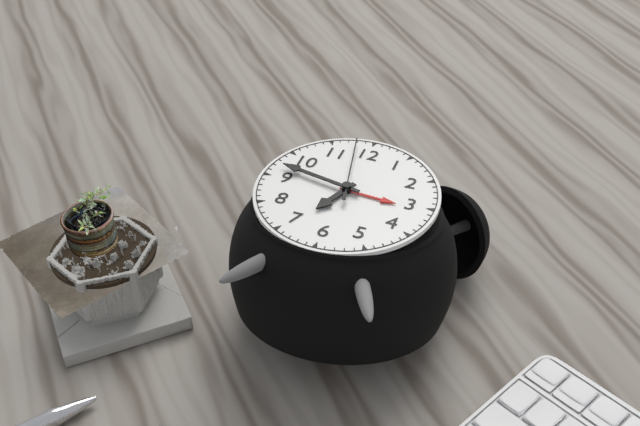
6:47:58
